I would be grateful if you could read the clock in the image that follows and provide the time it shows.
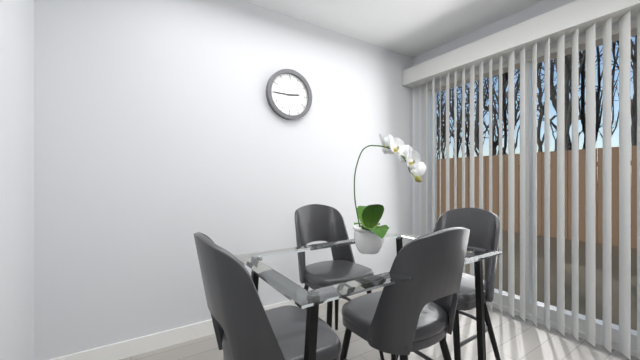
2:45
